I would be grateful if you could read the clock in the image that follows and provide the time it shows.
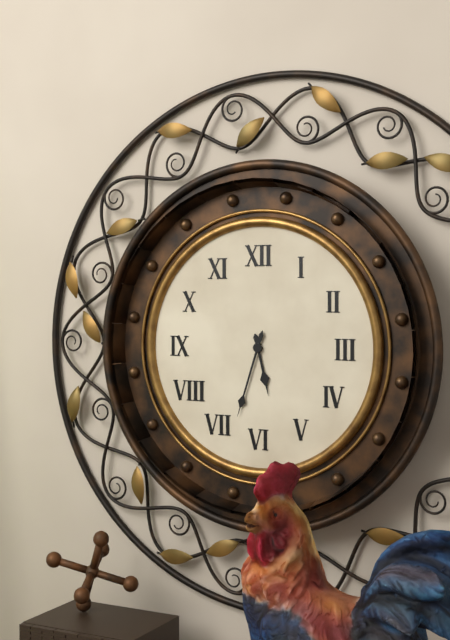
5:33
